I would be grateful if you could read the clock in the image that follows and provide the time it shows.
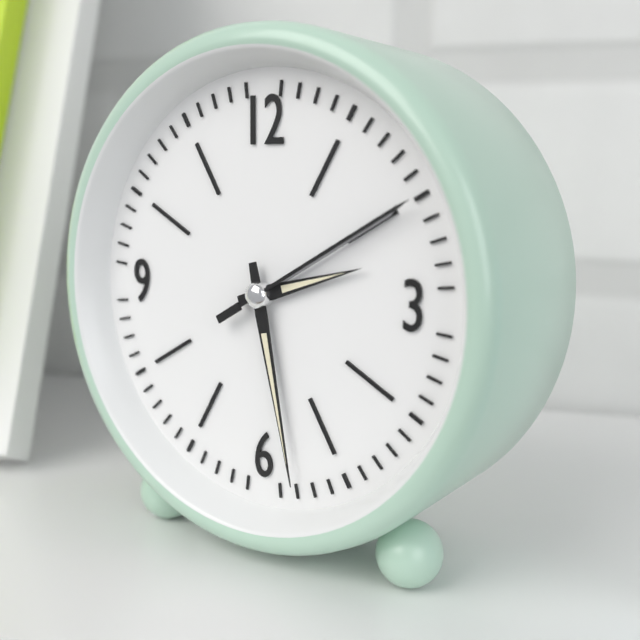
2:28:10
